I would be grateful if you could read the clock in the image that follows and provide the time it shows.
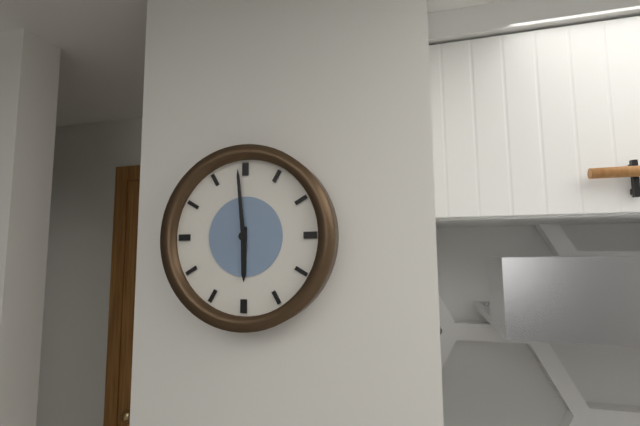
5:59
